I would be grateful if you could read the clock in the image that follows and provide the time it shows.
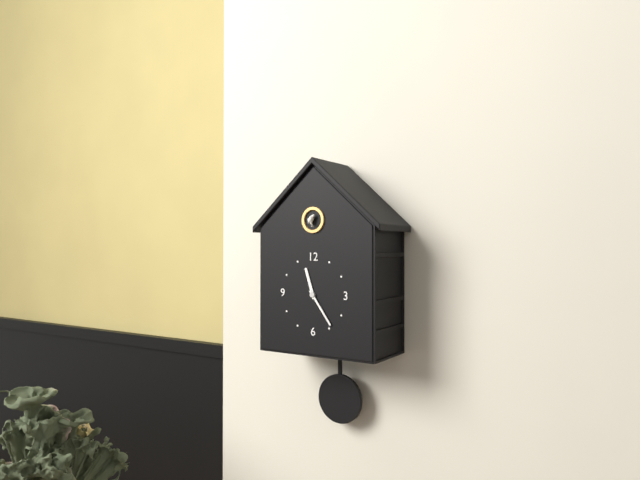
11:24
